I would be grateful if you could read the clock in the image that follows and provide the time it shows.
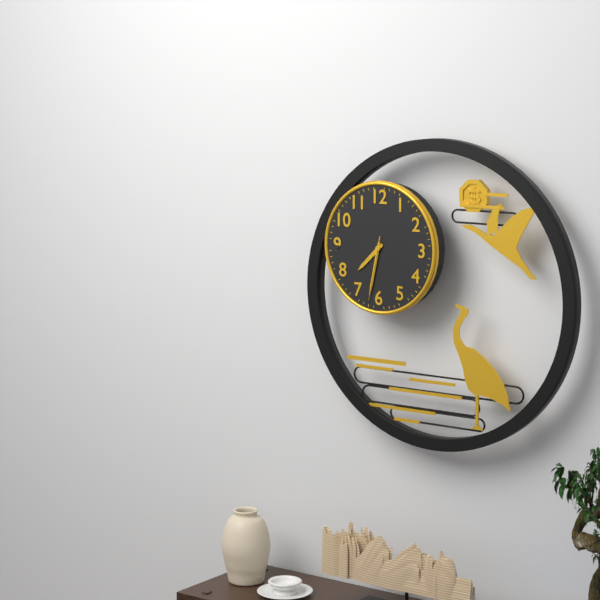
7:32:32
